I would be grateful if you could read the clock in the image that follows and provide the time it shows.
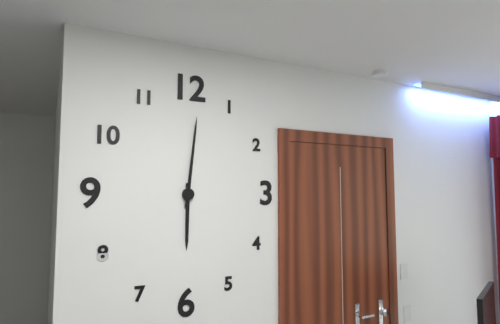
6:01
